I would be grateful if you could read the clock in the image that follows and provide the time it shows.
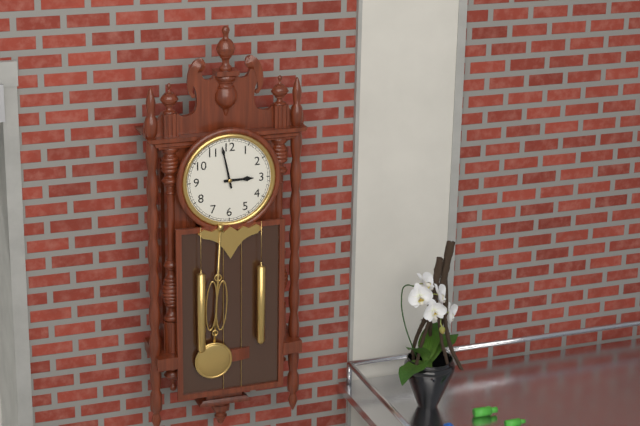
2:58
